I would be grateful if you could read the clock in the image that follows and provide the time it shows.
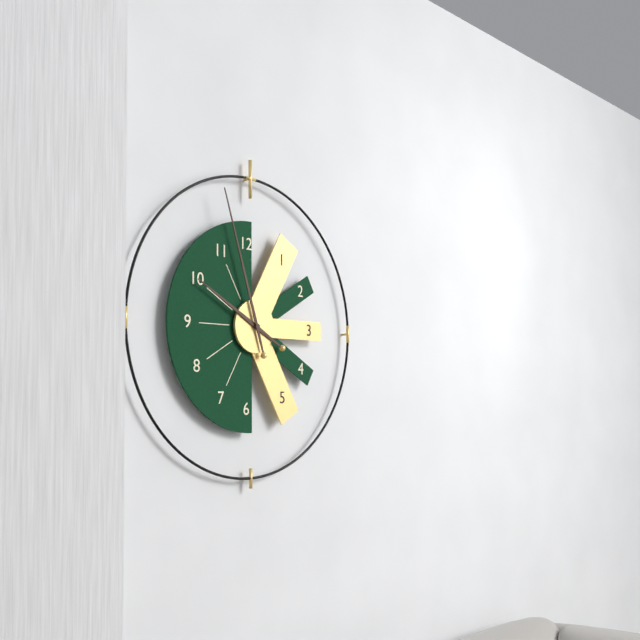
9:57
